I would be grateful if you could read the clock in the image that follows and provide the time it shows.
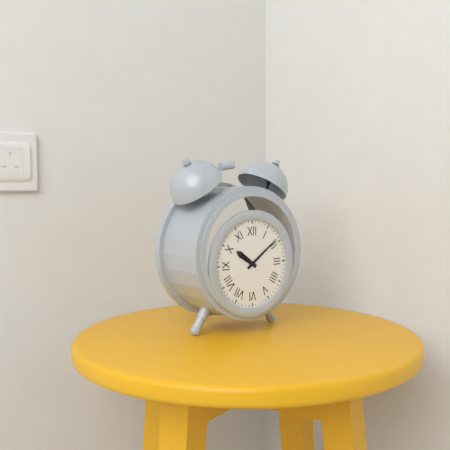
10:09
